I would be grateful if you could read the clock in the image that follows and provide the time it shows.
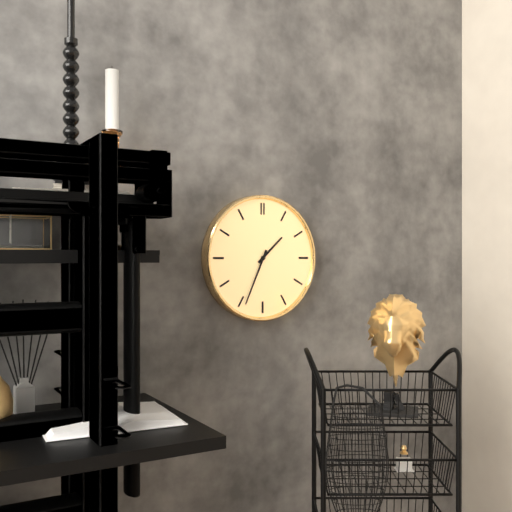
1:34
